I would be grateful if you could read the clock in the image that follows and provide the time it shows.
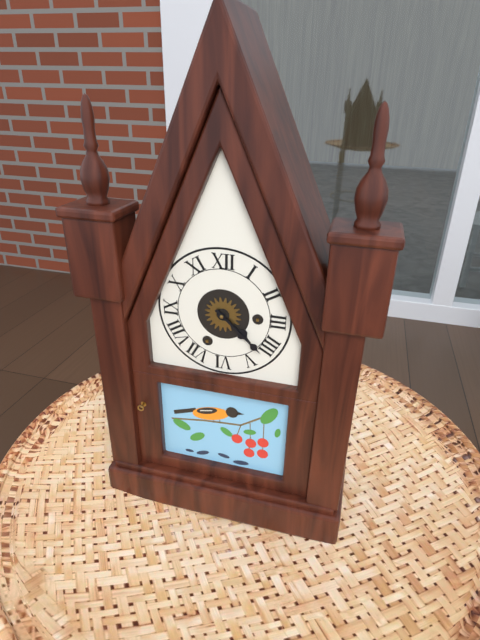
4:22
